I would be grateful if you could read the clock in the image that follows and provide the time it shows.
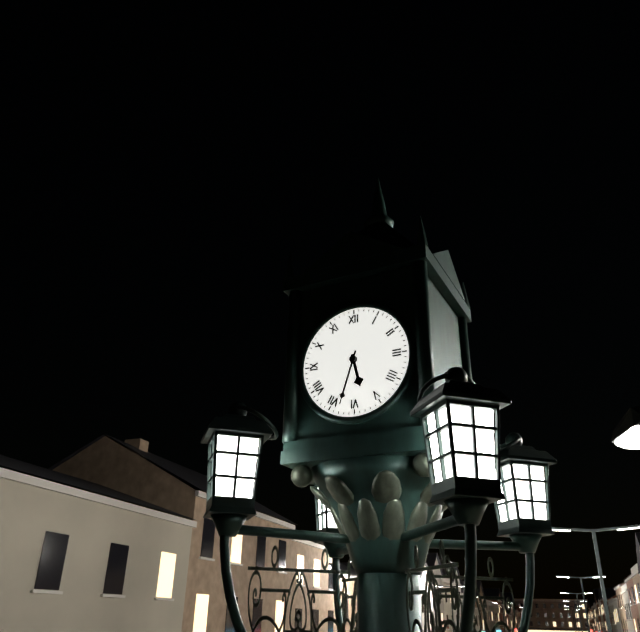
5:33
